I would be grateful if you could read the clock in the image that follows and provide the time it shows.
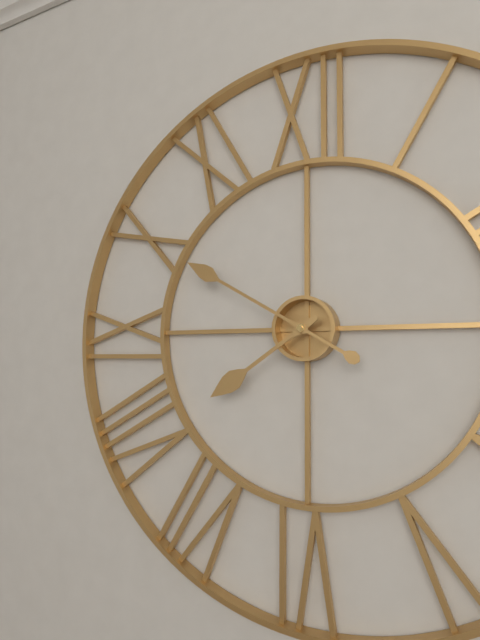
7:50
